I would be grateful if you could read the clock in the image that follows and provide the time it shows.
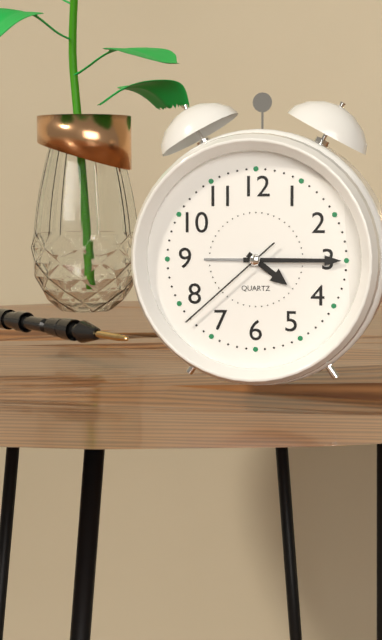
4:15:38
